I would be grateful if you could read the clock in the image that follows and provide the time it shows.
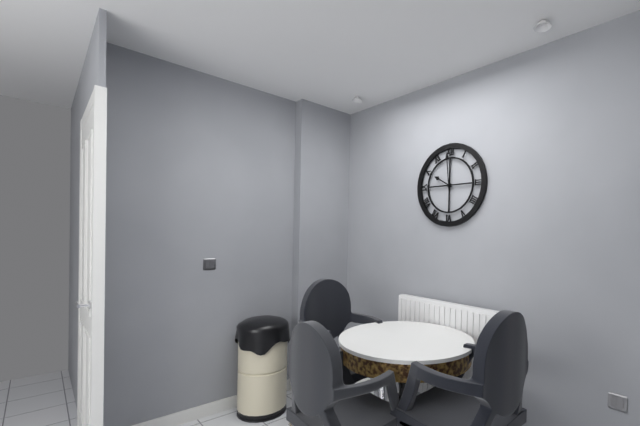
9:59
